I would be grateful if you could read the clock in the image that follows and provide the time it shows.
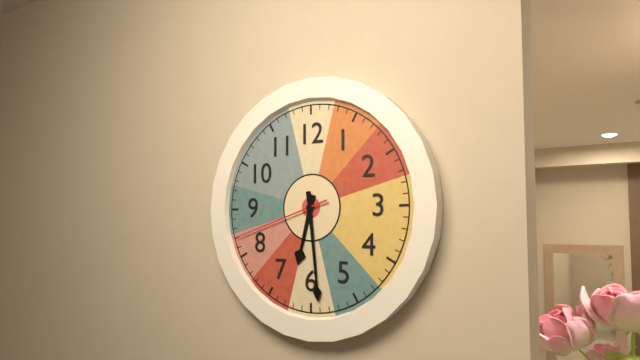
6:29:42
